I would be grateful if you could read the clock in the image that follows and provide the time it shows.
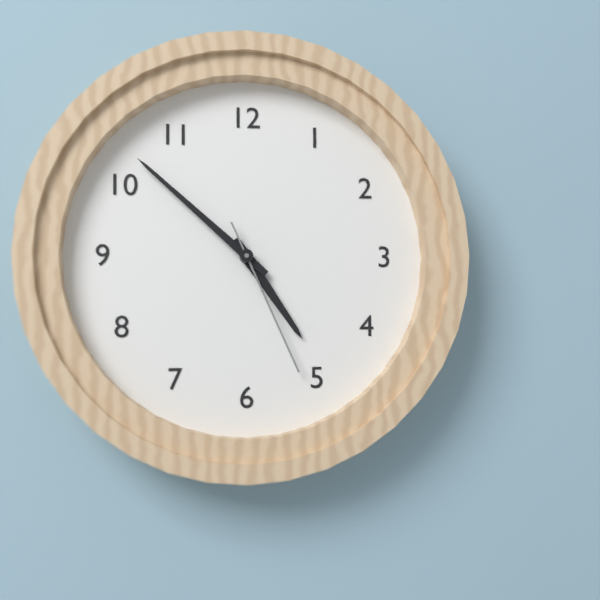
4:52:26
